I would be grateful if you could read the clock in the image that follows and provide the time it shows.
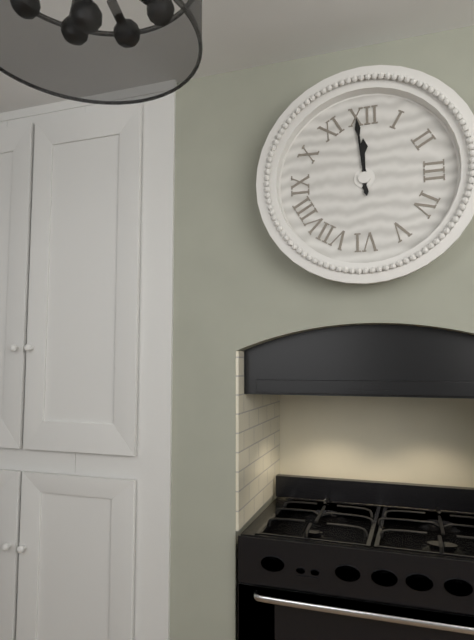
11:59
